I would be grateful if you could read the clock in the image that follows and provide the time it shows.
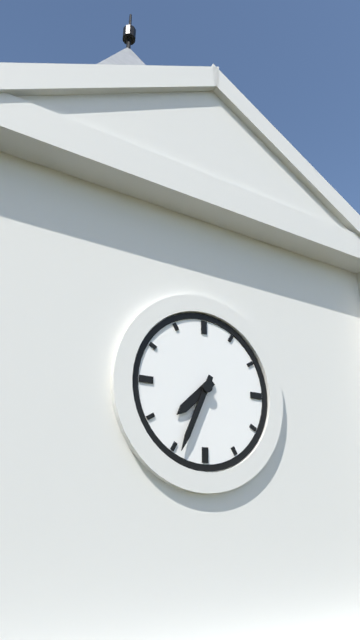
7:34
